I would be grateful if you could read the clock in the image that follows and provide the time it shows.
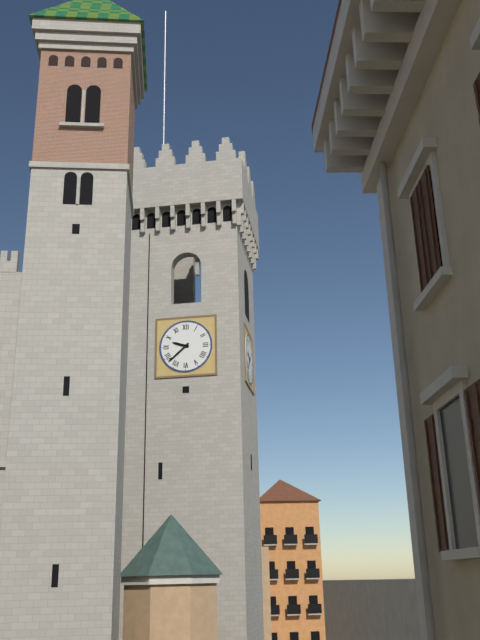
9:38
